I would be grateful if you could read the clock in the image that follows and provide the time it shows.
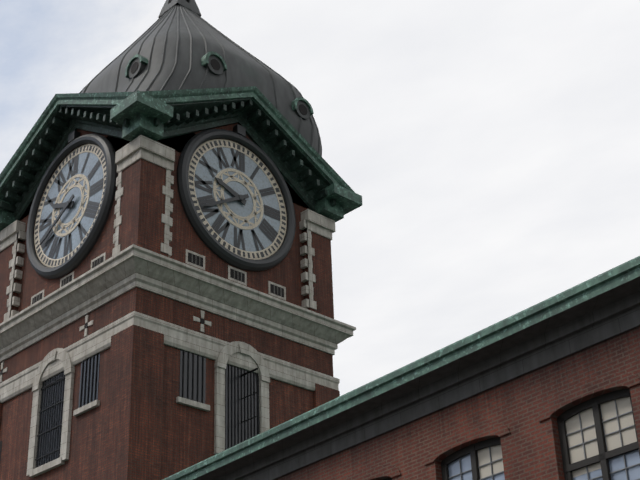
9:40
